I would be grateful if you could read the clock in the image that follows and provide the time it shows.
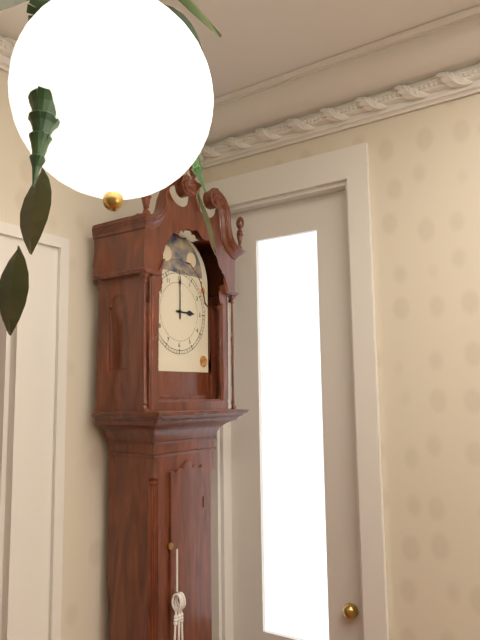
3:00
